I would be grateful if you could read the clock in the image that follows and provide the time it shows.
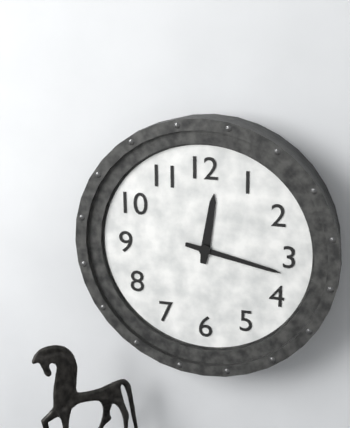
12:17
